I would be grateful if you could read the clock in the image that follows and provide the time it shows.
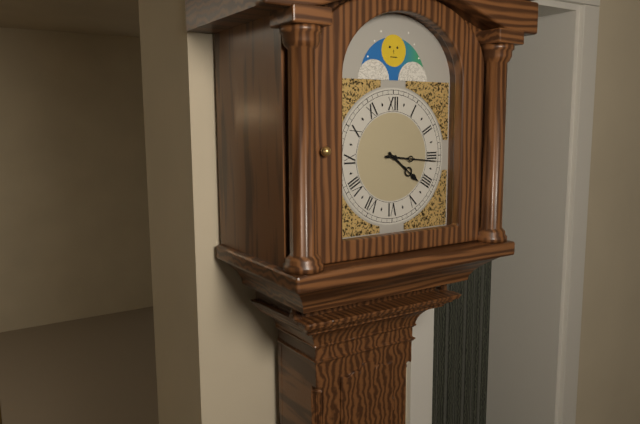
4:16
